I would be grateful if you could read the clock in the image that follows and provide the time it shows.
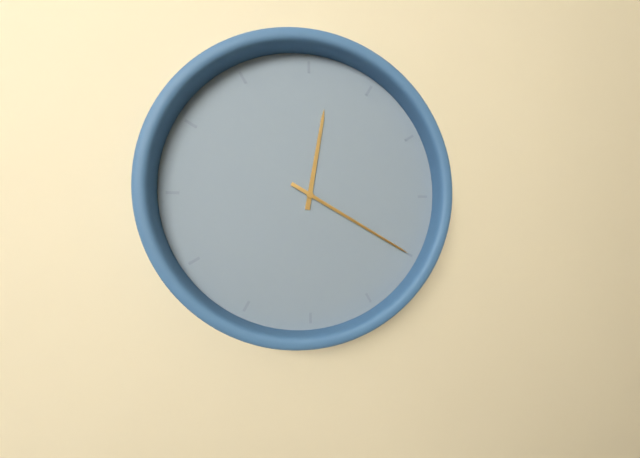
12:20
